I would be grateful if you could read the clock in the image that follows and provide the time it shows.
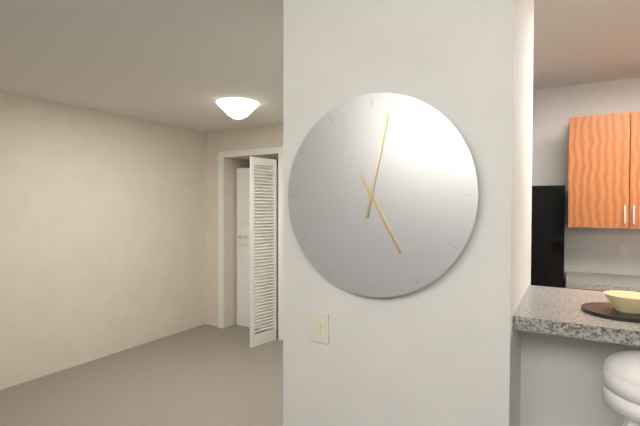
5:02
